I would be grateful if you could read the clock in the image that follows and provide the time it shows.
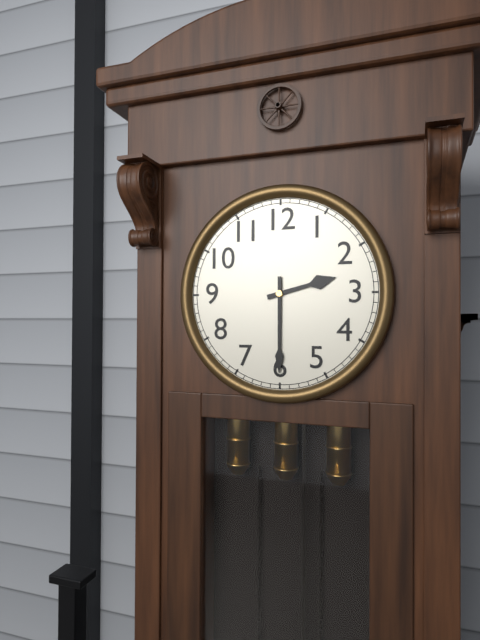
2:30
